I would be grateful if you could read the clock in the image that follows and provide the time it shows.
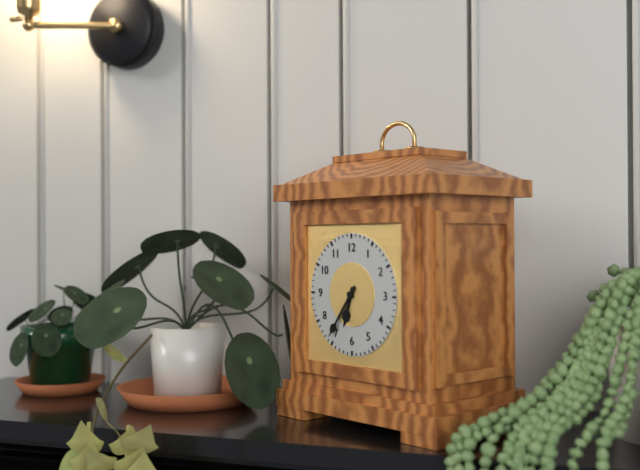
6:36
